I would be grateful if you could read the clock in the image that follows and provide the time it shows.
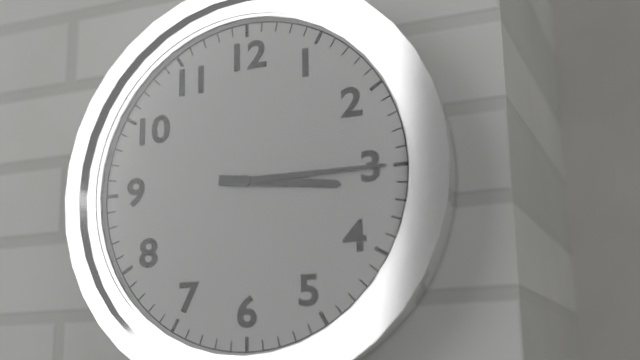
3:15
